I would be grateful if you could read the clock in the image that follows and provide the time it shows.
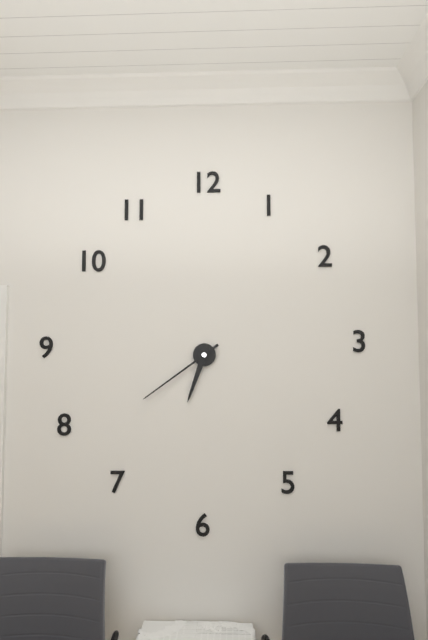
6:39
